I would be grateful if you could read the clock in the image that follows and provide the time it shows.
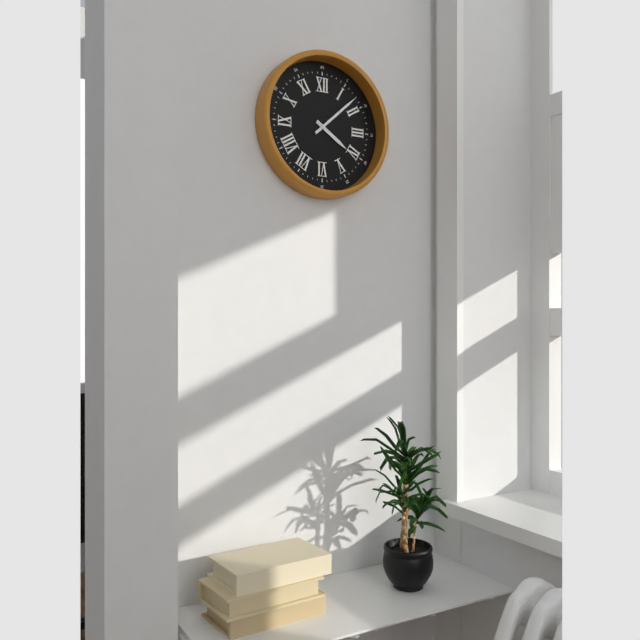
4:08
